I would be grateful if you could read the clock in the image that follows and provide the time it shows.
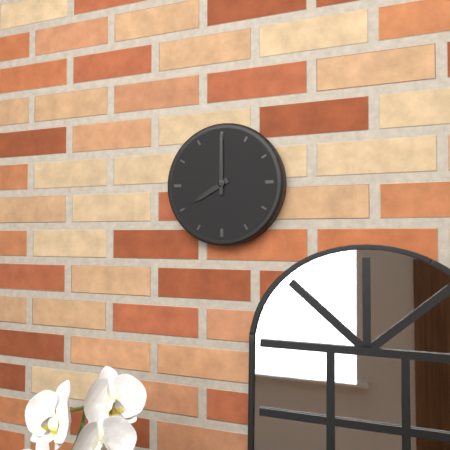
8:00
